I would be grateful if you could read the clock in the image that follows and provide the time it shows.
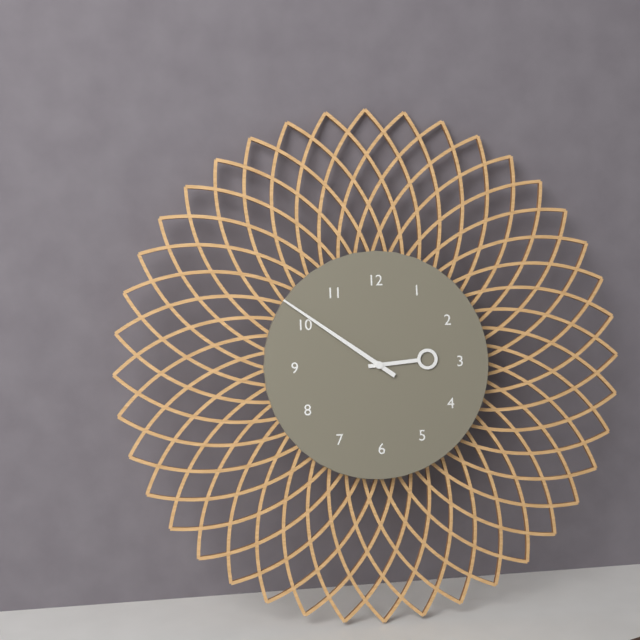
2:51
